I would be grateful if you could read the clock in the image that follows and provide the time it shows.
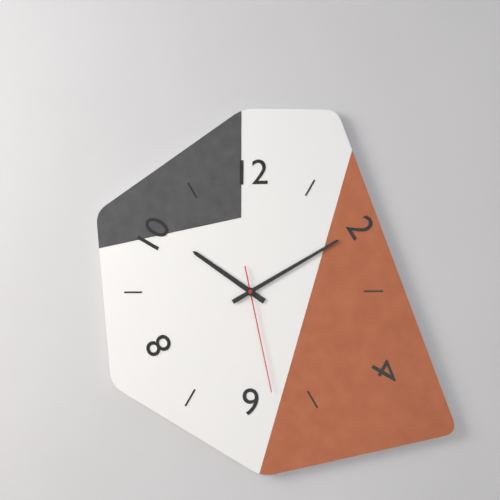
10:10:28
